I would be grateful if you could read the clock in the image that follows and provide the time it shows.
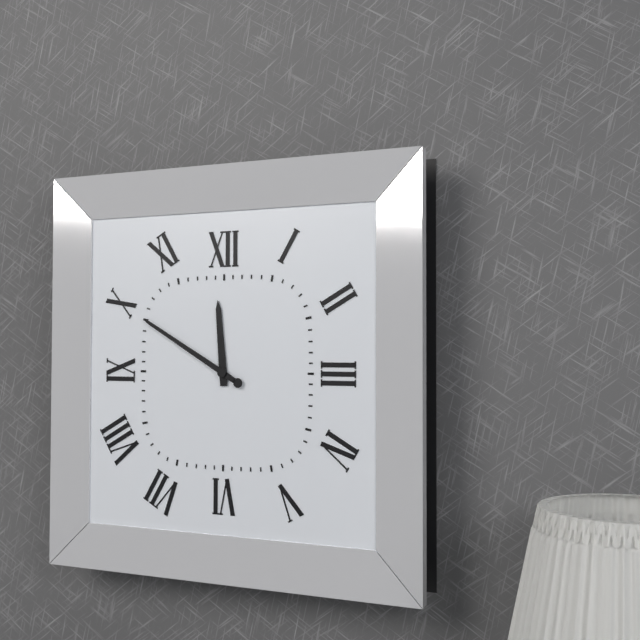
11:50
